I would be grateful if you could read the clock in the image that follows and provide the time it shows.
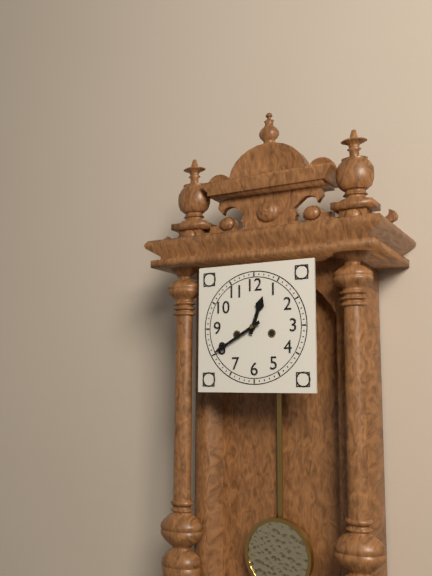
12:40
